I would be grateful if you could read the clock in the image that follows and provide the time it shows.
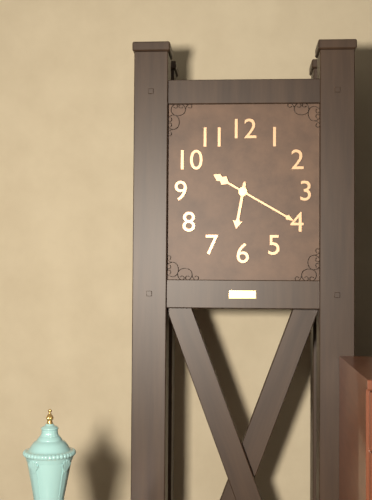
6:20
